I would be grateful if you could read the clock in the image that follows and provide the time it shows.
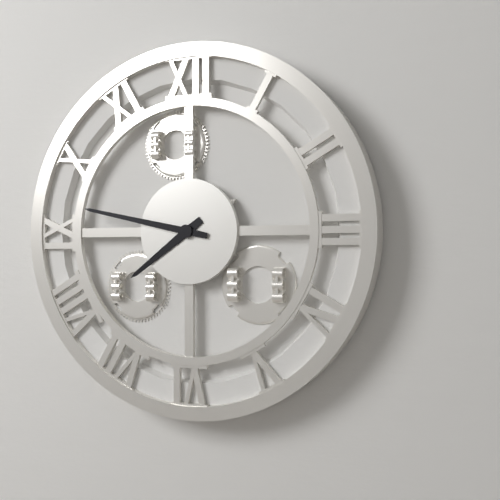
7:47
